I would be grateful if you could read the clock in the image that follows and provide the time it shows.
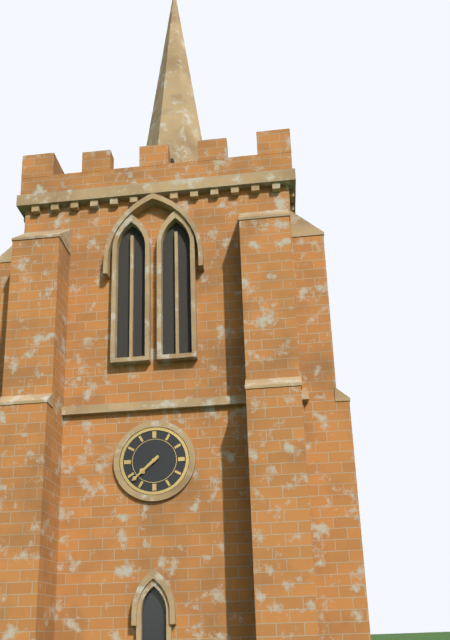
7:38
